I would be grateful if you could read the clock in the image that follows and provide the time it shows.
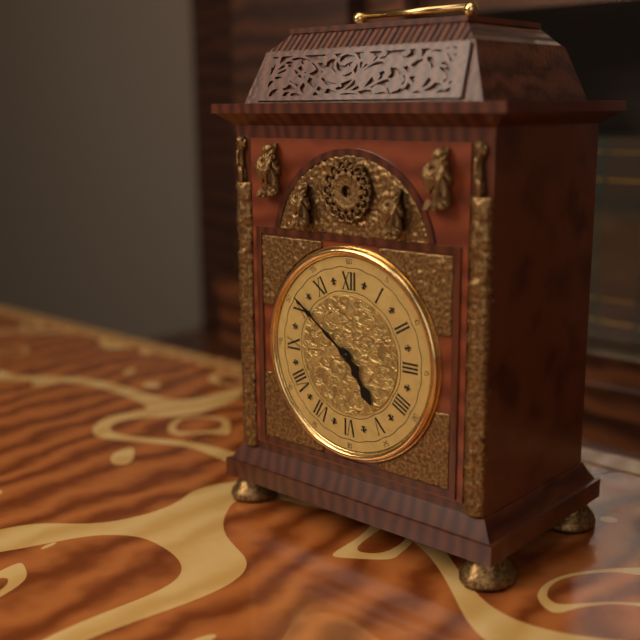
4:51
